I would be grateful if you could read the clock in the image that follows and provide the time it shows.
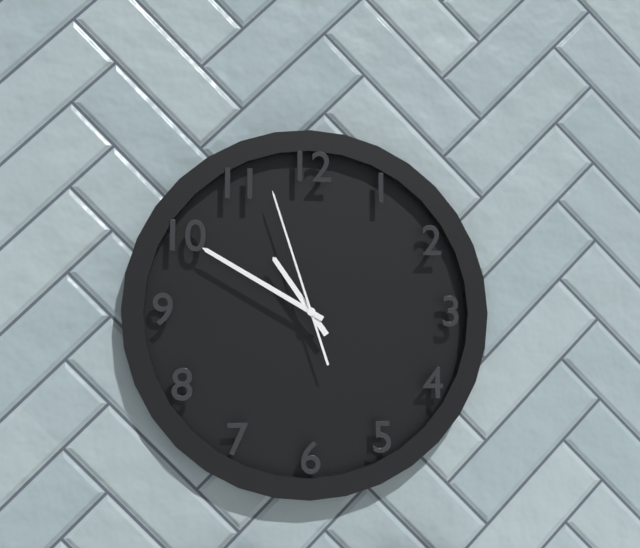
10:50:57
